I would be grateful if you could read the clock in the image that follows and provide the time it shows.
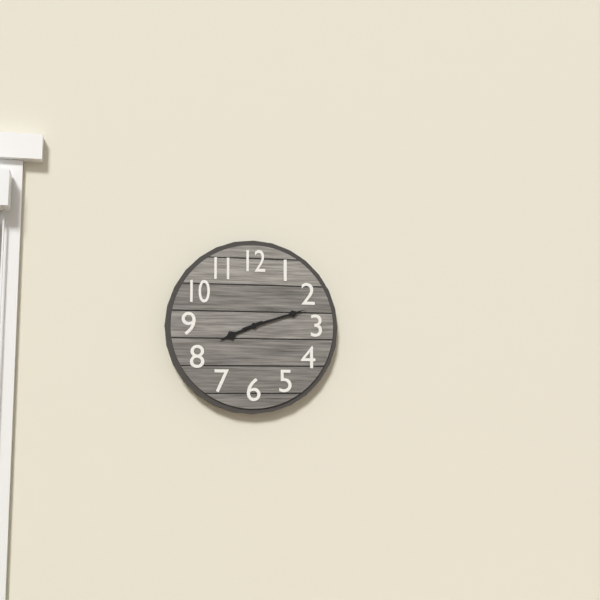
8:12
